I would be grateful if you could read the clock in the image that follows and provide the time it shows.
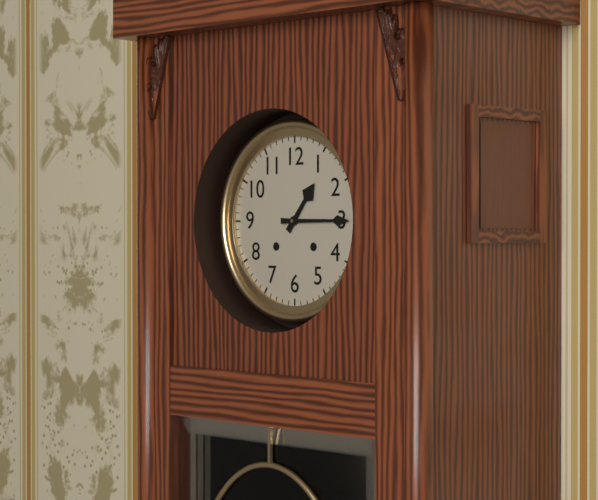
1:15
